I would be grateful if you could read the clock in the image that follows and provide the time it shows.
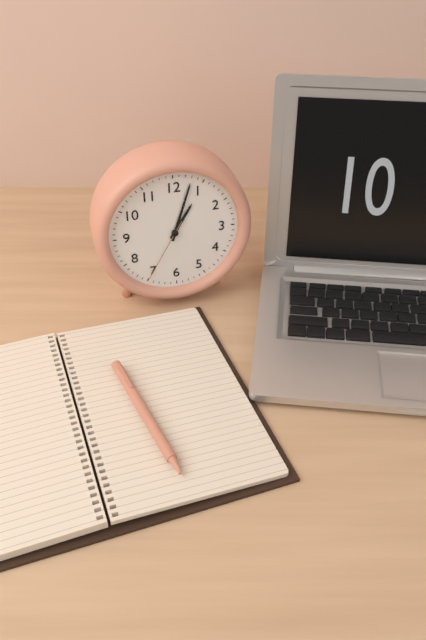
1:03:35
